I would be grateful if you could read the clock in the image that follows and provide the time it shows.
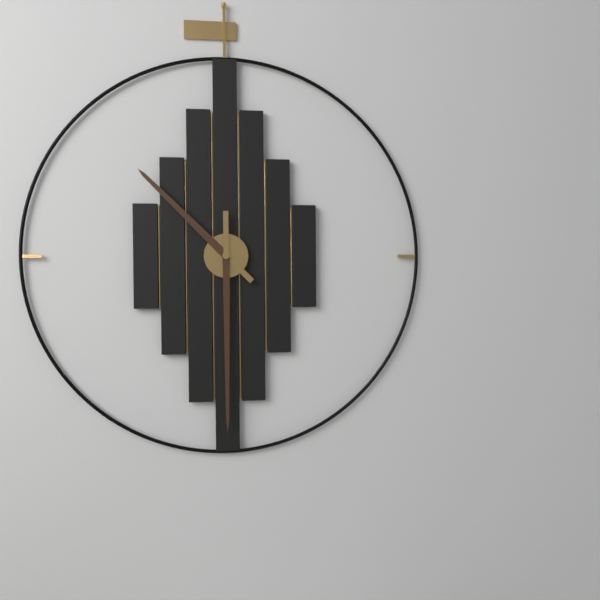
10:30
